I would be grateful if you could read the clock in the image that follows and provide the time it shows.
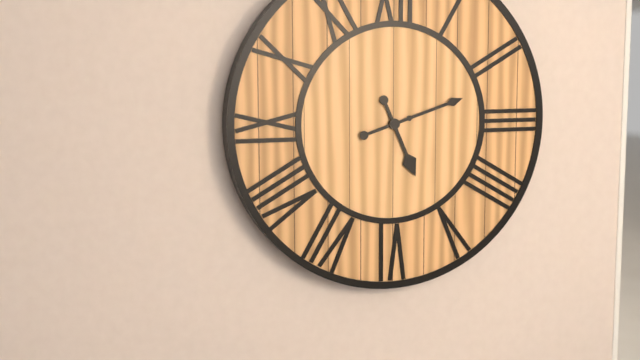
5:12
